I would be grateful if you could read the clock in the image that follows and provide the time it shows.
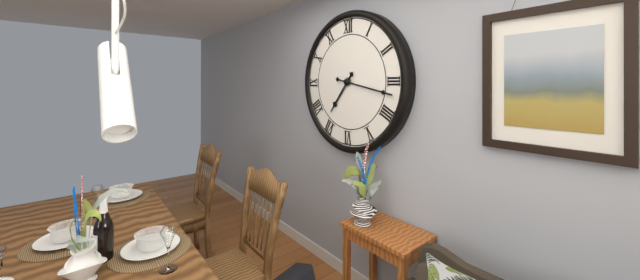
7:17
